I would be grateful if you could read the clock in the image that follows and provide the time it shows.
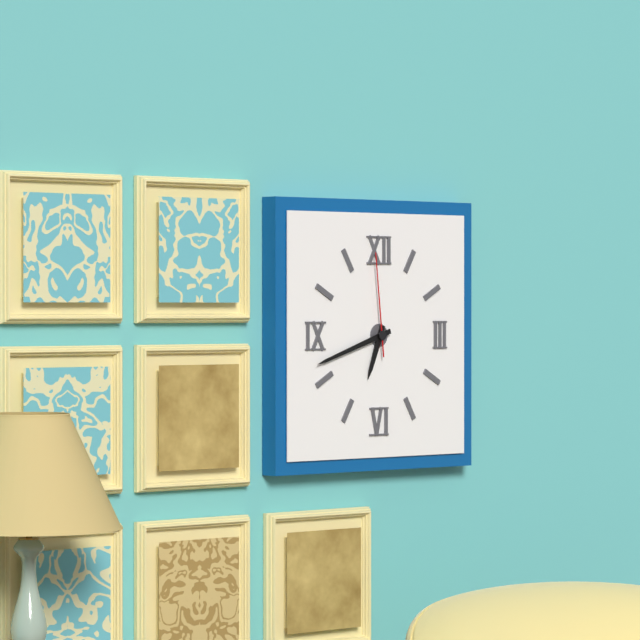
6:42:59
